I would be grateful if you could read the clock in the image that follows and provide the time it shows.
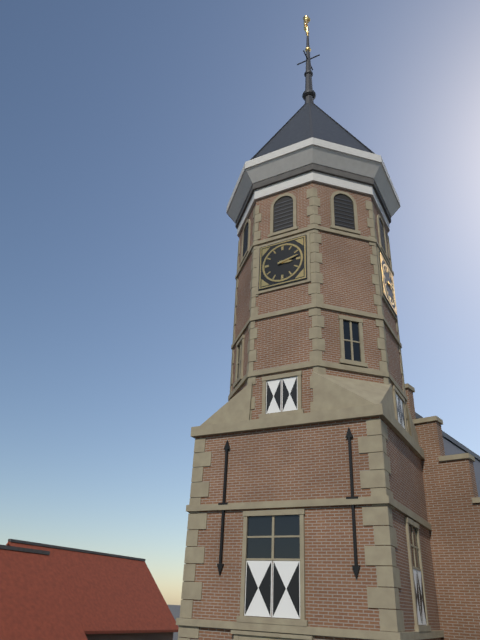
3:13
